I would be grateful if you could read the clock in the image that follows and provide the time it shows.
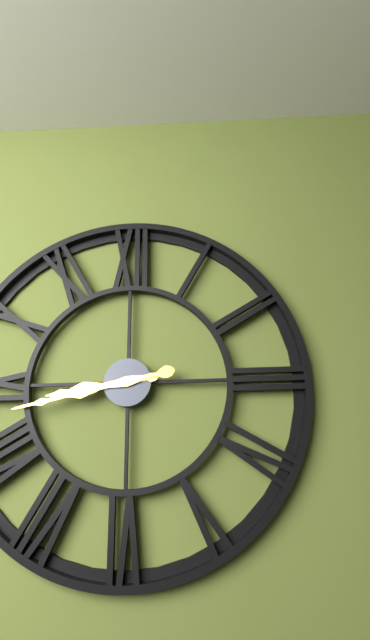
8:43
